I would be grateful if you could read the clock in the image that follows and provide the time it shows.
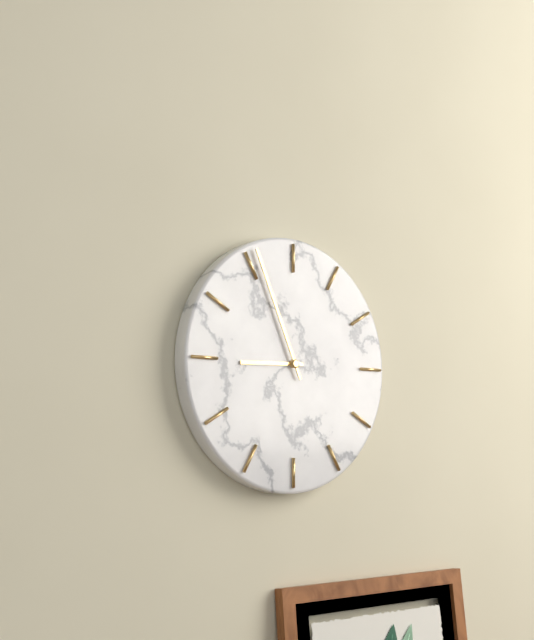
8:56
